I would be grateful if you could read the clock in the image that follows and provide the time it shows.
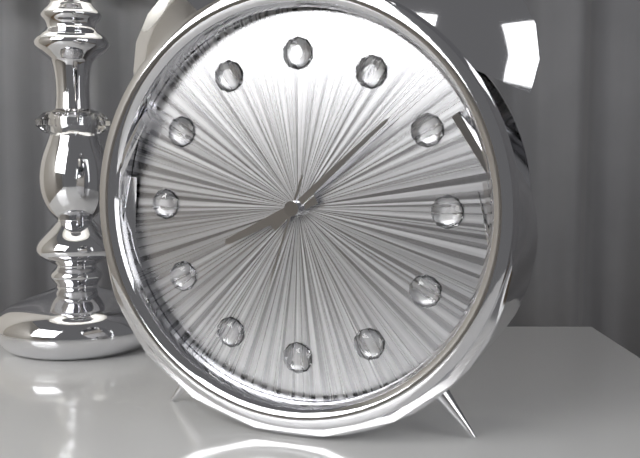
8:08:33
